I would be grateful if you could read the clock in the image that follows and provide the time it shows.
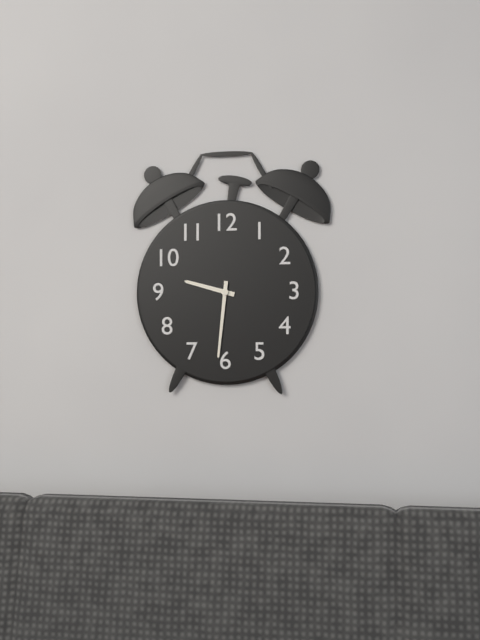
9:31
